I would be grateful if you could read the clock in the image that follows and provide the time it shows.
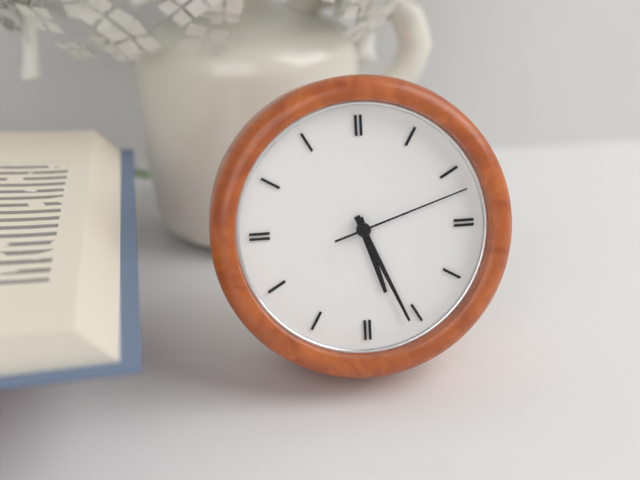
5:26:12
